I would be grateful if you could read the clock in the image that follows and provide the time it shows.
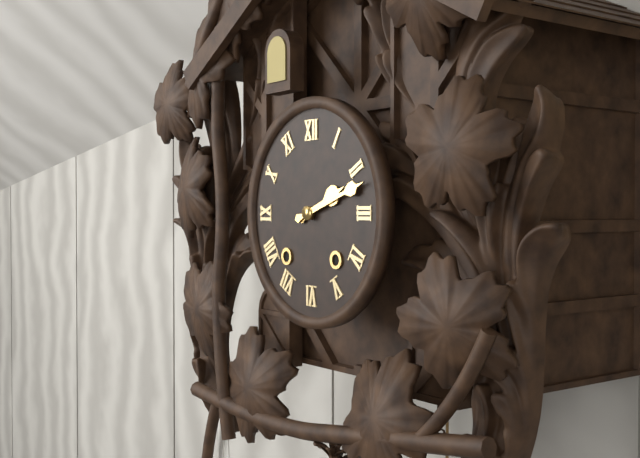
2:12
